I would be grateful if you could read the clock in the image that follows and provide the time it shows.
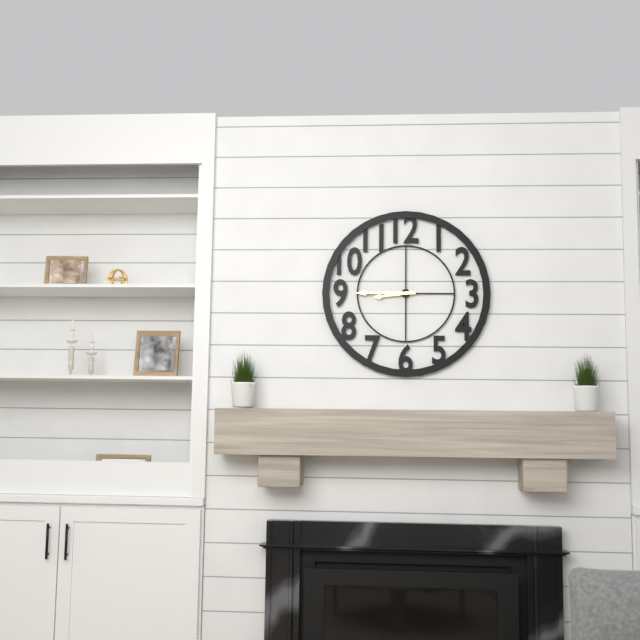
8:45
